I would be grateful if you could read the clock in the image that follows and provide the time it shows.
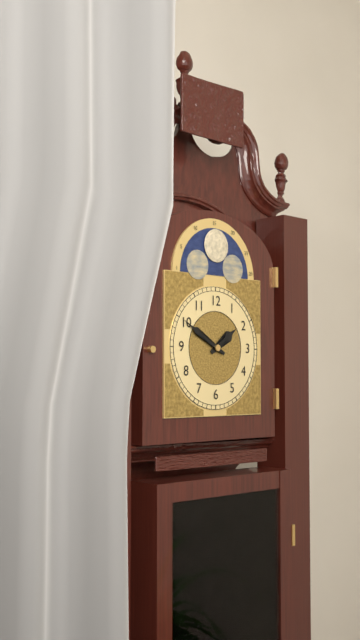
1:50
